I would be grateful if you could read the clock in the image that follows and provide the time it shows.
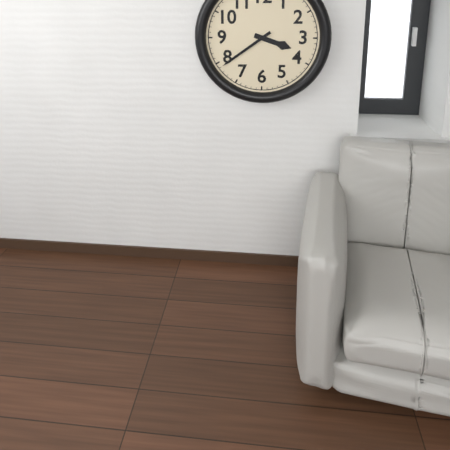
3:39
